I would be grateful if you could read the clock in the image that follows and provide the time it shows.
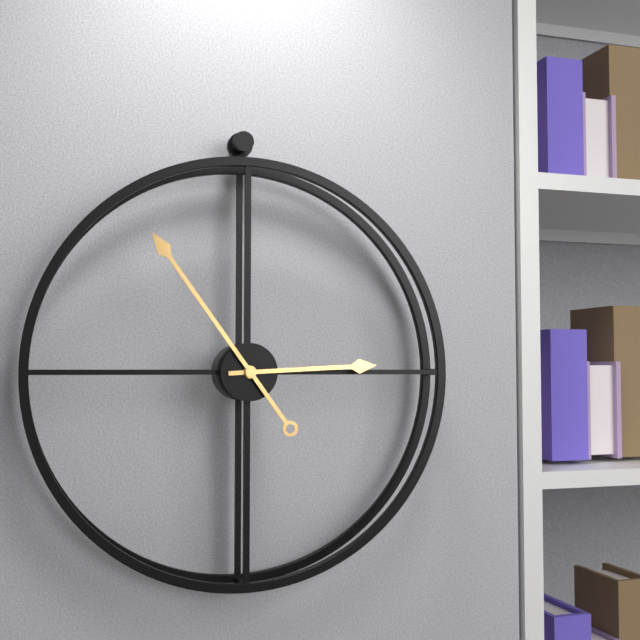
2:54
